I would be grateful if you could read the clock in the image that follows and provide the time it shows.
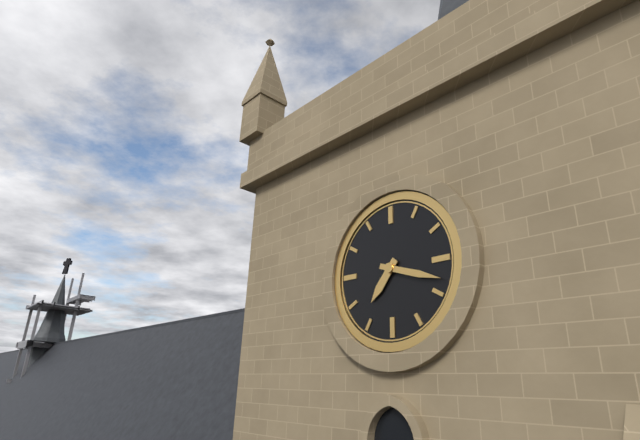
7:18
